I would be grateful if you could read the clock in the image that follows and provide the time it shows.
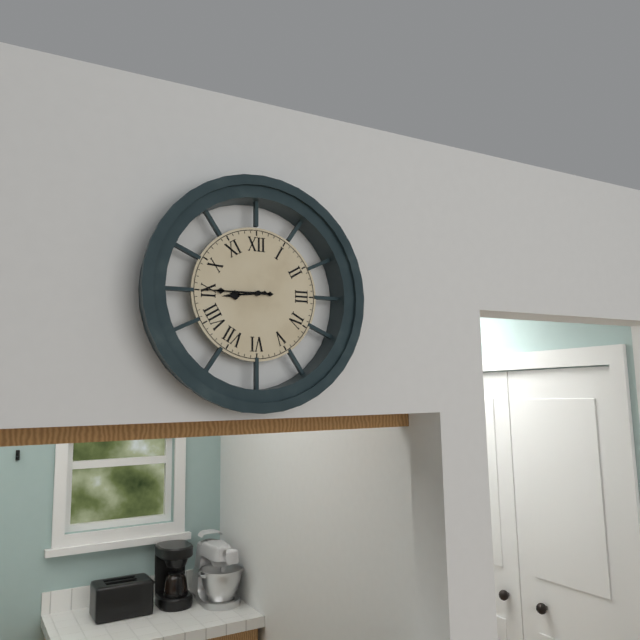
8:45
